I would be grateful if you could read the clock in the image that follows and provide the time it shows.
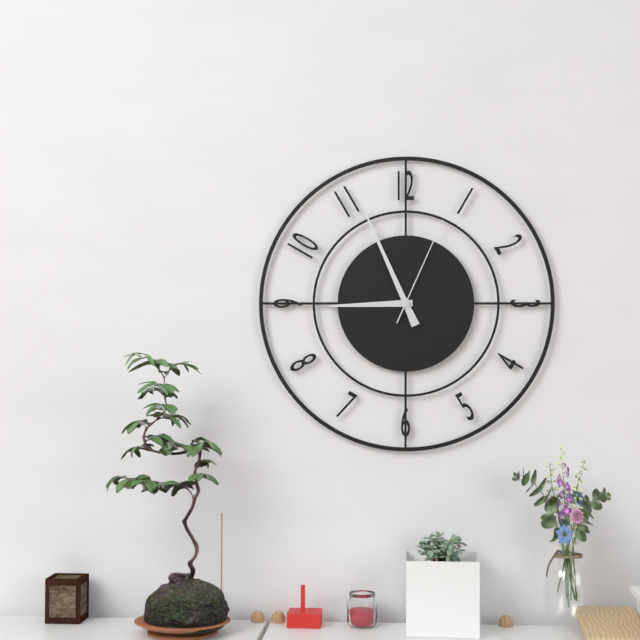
8:56:04
